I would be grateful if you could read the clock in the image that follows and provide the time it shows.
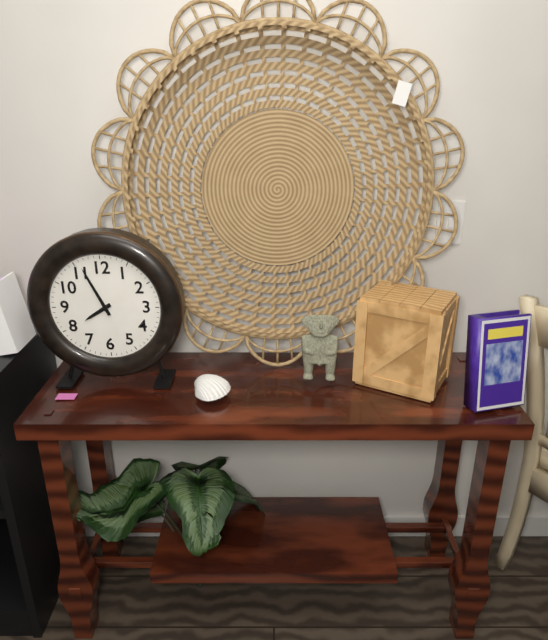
7:56
